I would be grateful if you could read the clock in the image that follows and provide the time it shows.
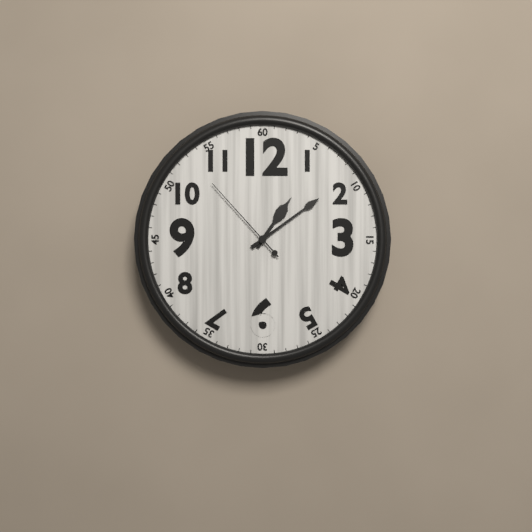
1:09:53
